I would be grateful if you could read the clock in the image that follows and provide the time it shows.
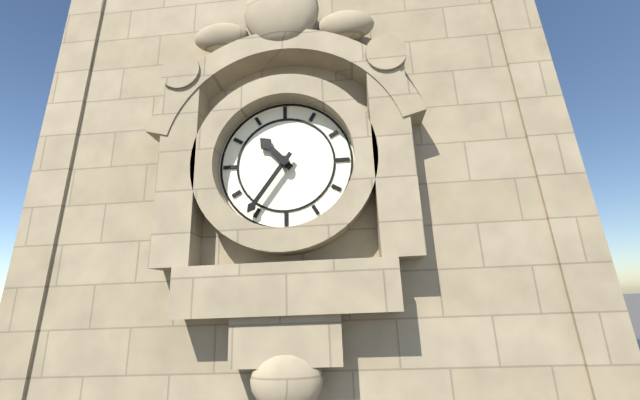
10:36
